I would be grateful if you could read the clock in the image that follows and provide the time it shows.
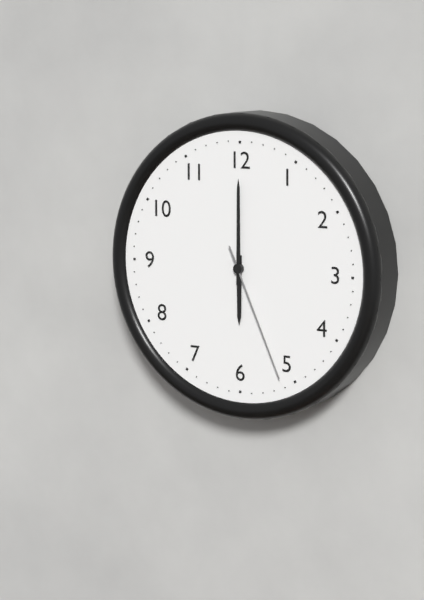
6:00:26
